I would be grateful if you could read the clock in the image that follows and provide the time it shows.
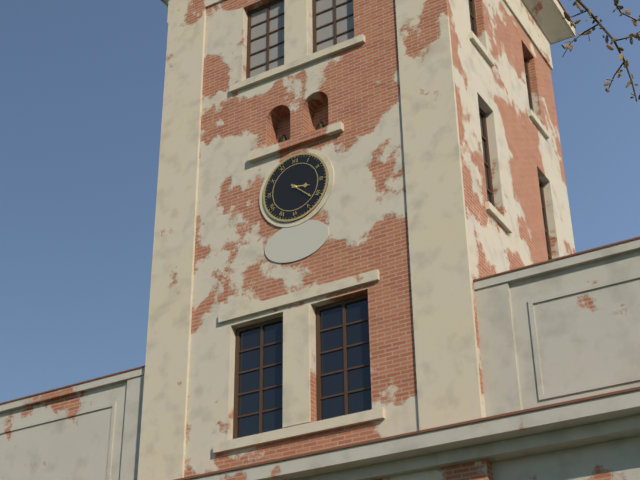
3:22
